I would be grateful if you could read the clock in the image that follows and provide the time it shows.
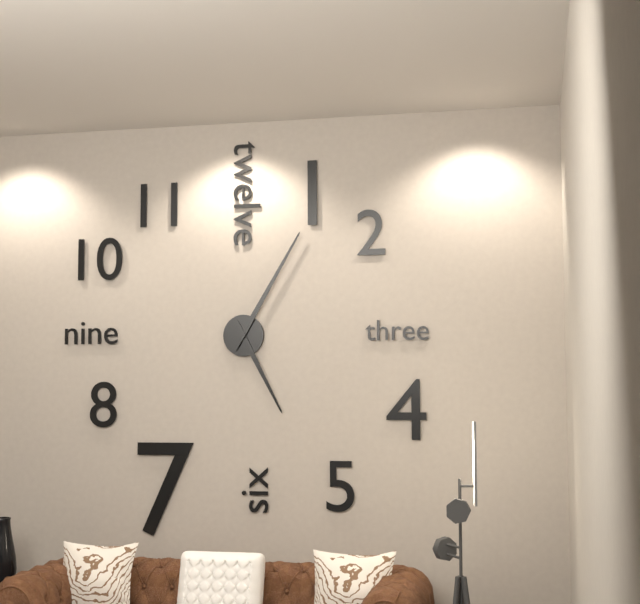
5:05
